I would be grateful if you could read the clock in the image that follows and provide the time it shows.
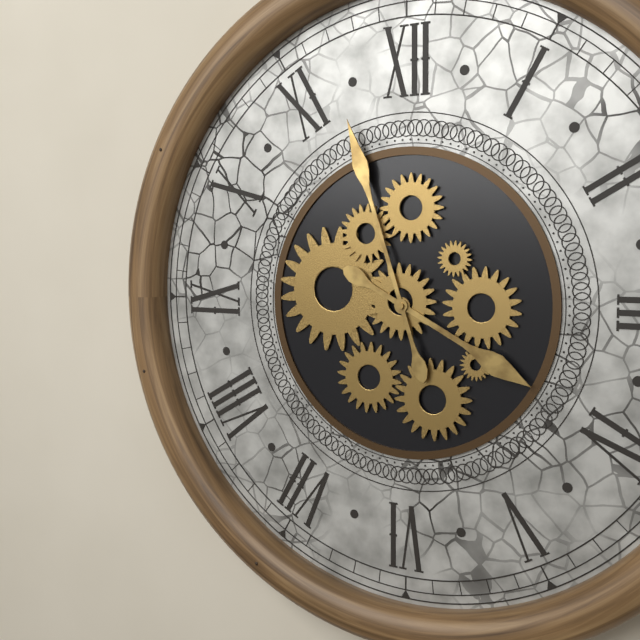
3:57
